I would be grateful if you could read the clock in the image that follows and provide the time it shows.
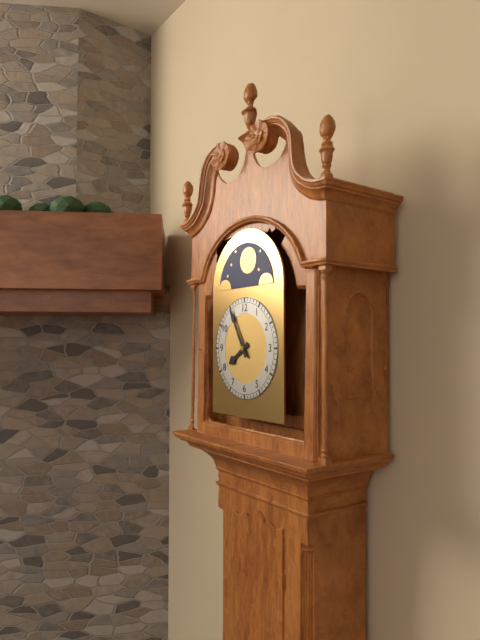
7:55
